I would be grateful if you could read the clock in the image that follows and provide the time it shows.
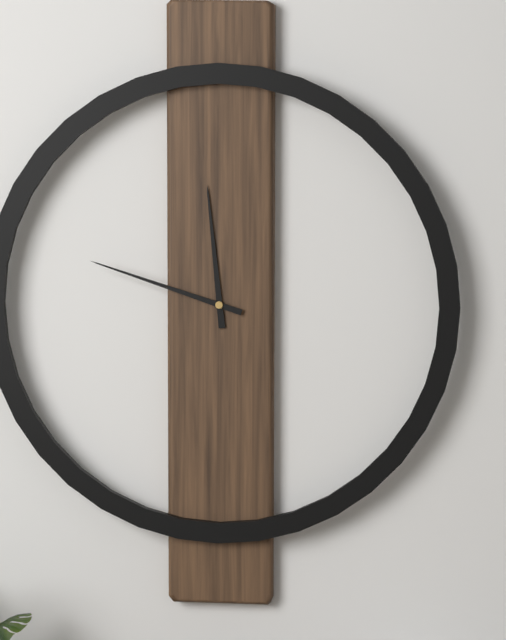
11:48
